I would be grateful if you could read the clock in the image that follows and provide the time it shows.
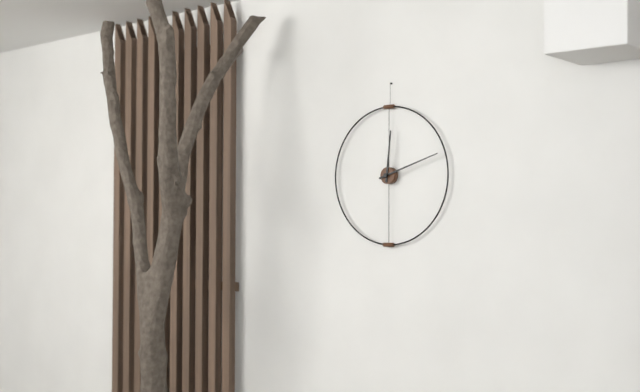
12:12
